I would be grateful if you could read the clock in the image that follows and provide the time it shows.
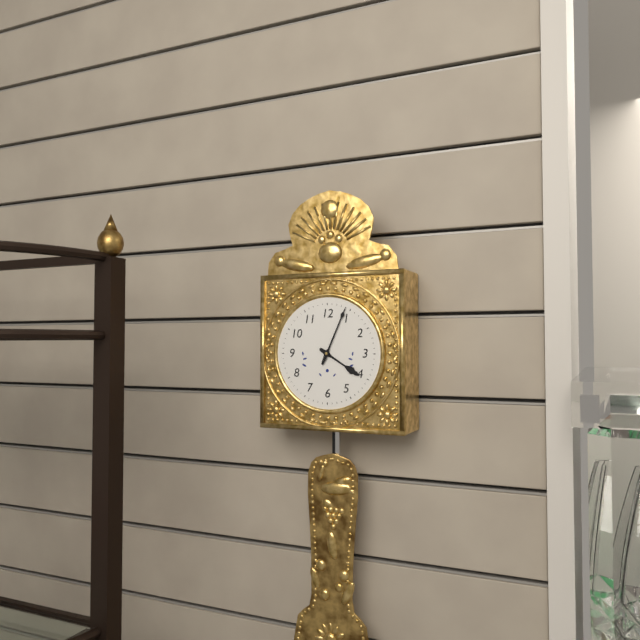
4:04
